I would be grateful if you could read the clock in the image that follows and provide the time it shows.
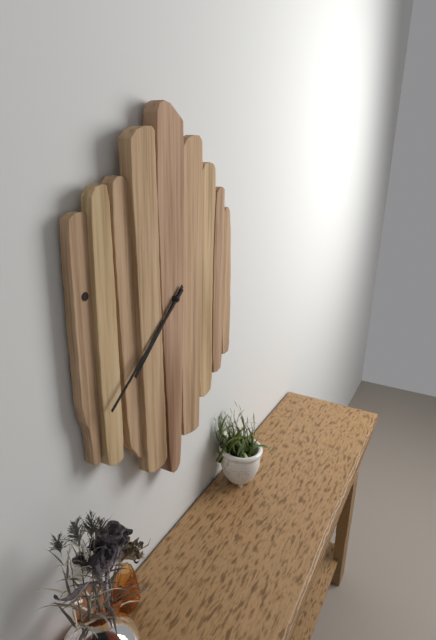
7:39
